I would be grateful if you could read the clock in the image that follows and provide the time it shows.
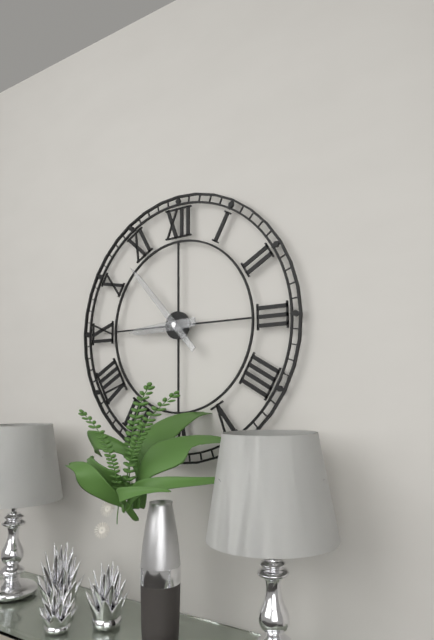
8:53
